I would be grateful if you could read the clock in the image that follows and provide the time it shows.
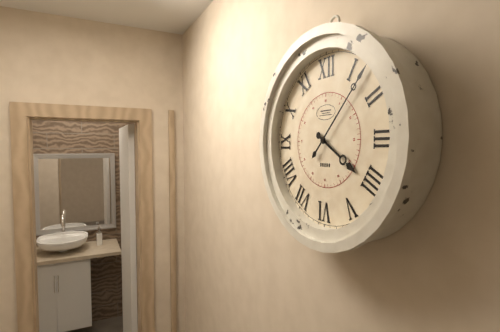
4:07
